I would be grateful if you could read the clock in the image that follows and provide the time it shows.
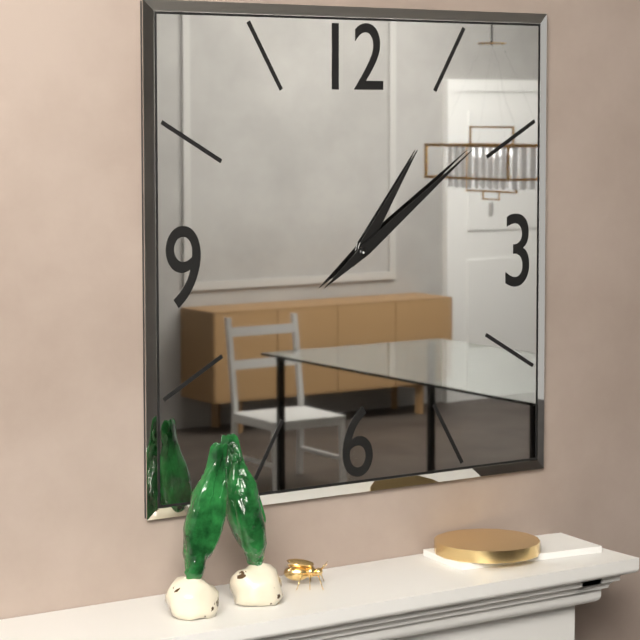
1:09
